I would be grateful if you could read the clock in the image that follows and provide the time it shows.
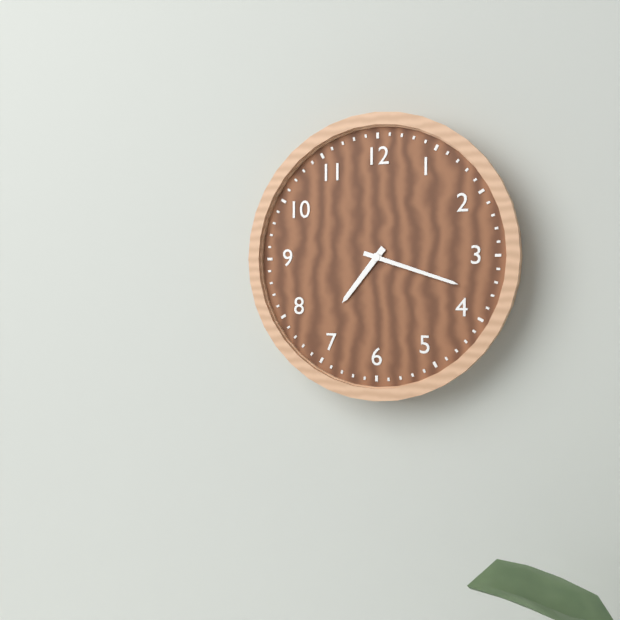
7:18
